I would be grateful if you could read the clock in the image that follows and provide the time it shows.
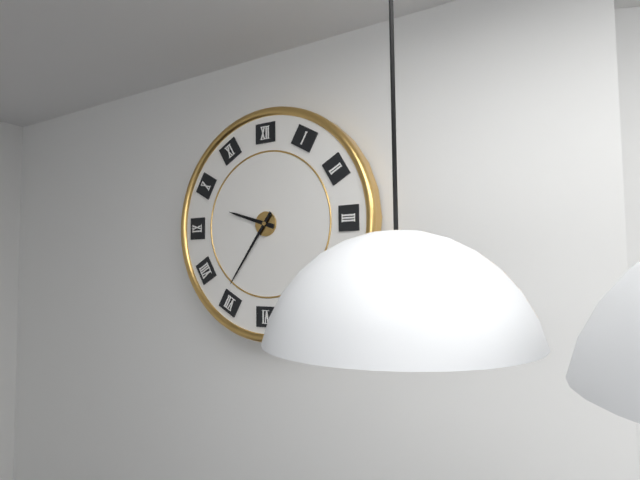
9:36
